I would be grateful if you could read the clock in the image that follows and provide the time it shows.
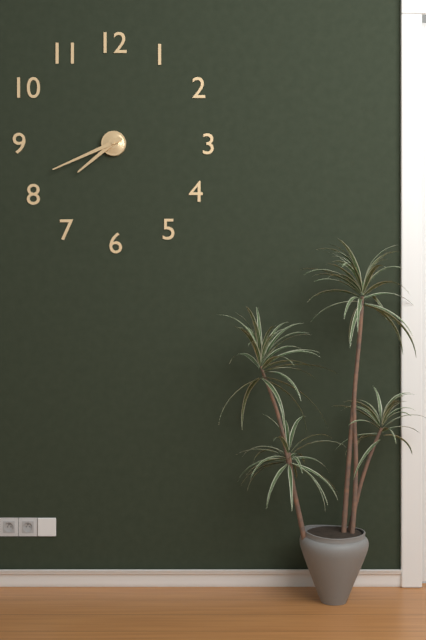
7:41
